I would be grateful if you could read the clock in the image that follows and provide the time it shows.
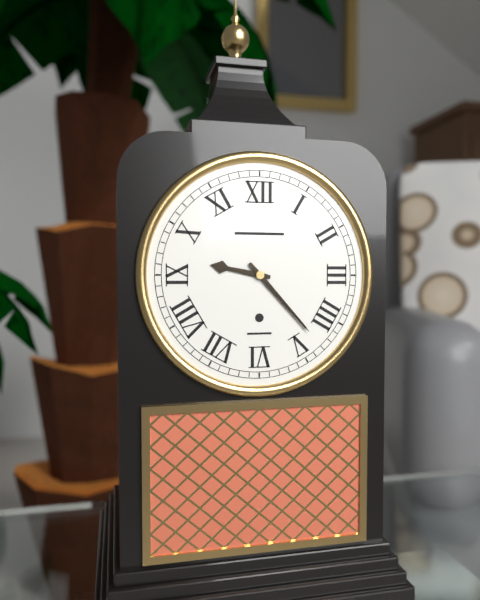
9:23
